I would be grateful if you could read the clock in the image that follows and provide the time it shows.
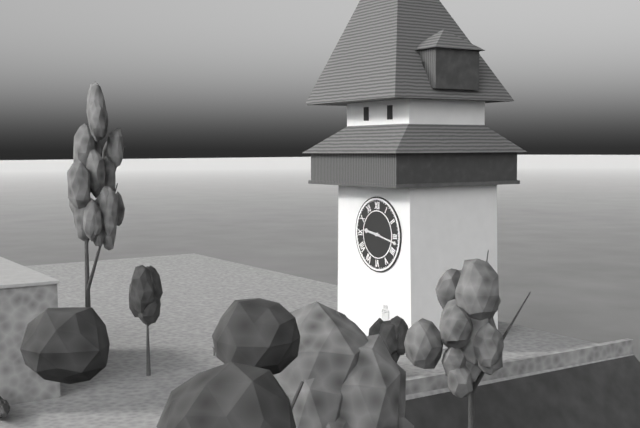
9:17
